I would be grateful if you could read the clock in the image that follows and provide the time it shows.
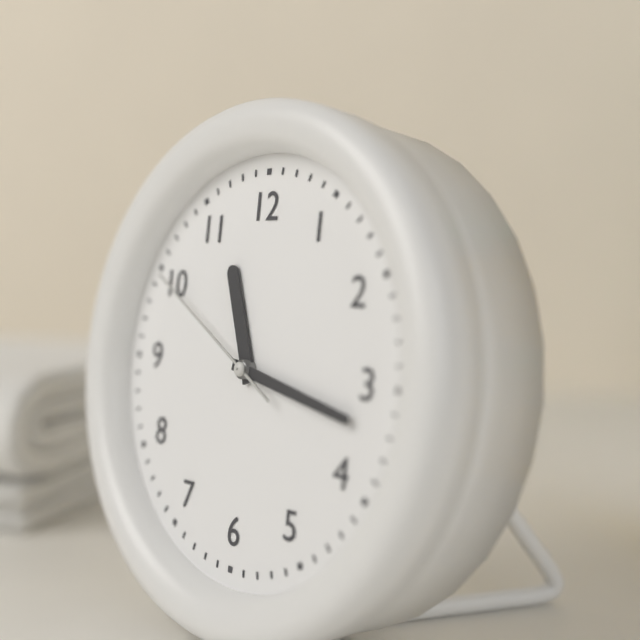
11:17:50
